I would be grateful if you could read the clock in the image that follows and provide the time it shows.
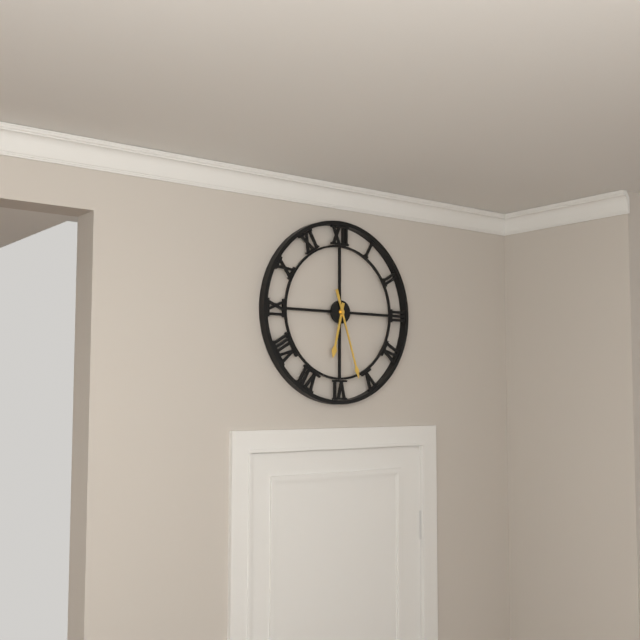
6:27
